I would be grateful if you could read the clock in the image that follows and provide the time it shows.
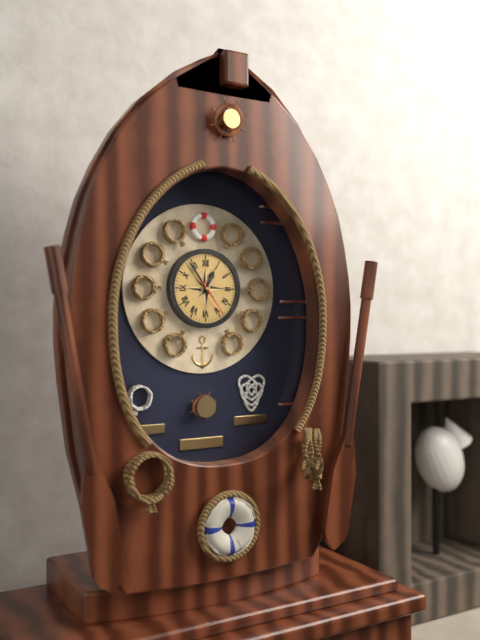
12:54
